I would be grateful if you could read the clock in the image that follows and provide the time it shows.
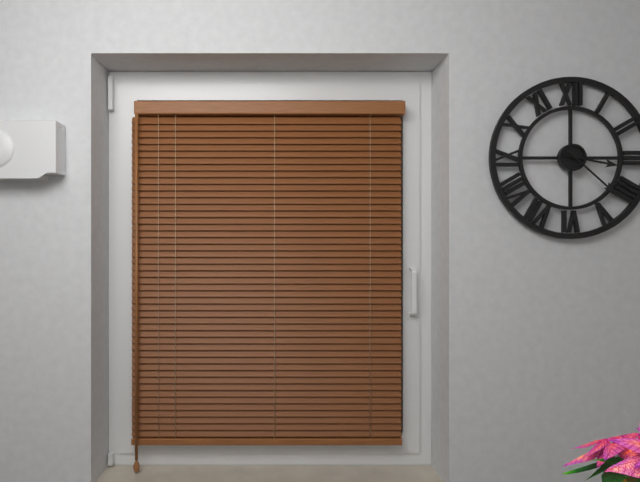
3:22
